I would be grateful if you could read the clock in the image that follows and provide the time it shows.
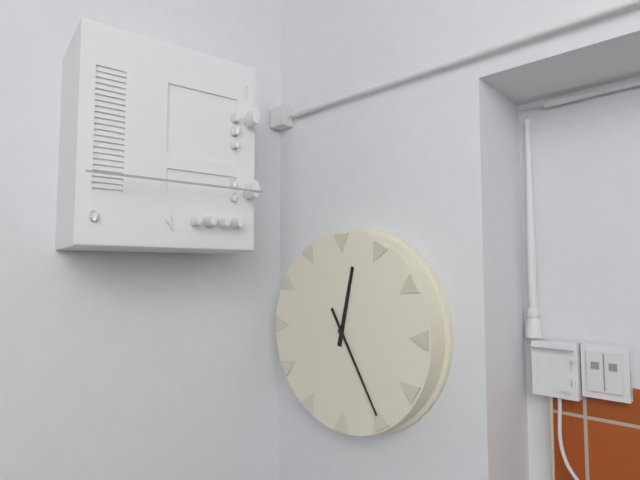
12:25
